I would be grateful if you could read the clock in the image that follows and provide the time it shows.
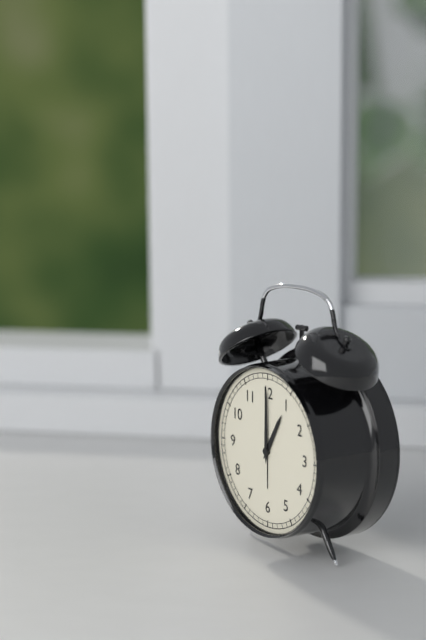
1:00
